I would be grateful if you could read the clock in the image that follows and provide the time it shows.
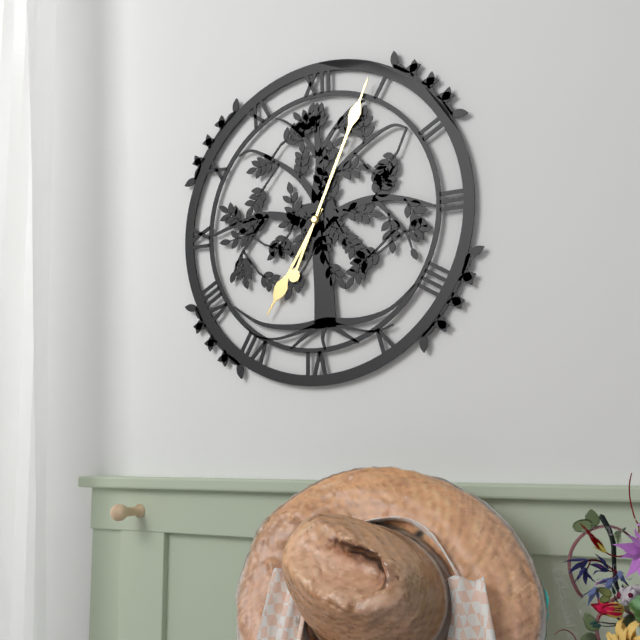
7:04
